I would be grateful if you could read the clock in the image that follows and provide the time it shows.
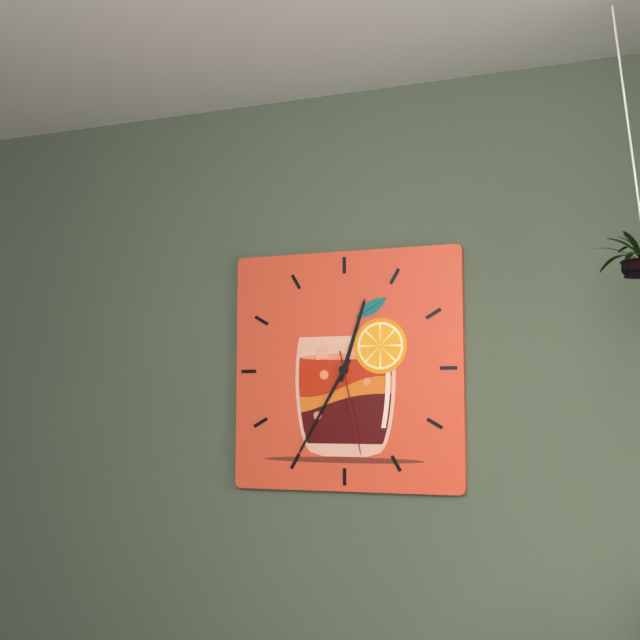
12:35:28
